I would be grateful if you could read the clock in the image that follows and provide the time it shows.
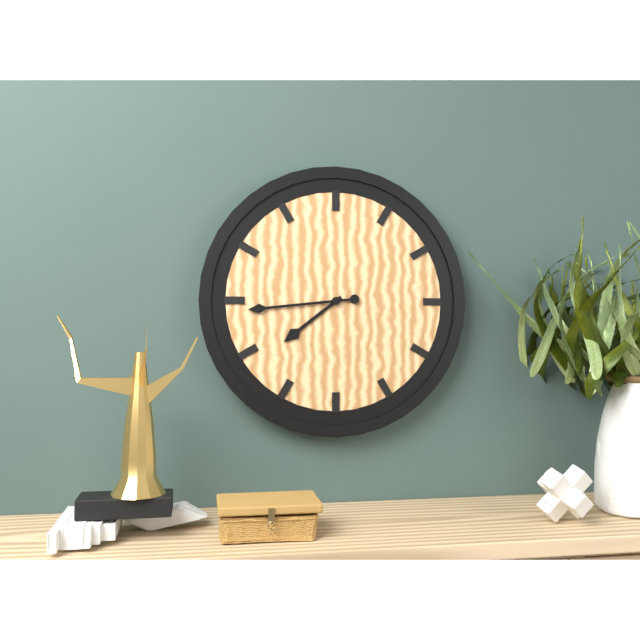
7:44
